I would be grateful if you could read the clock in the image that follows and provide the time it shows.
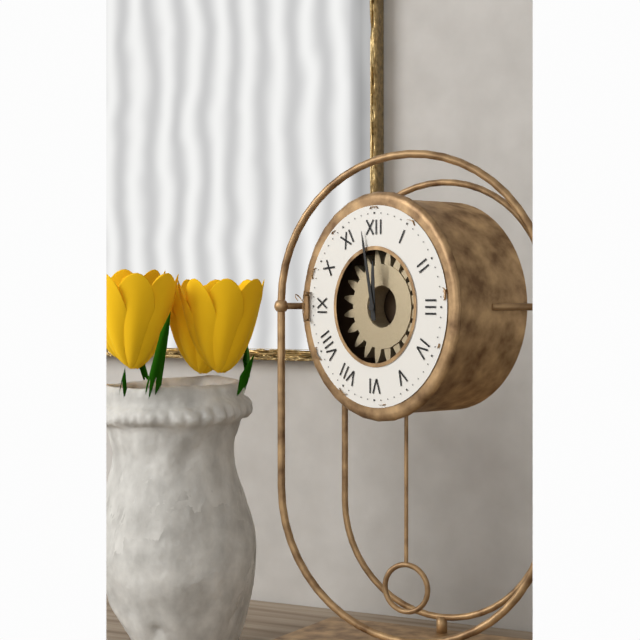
11:58
